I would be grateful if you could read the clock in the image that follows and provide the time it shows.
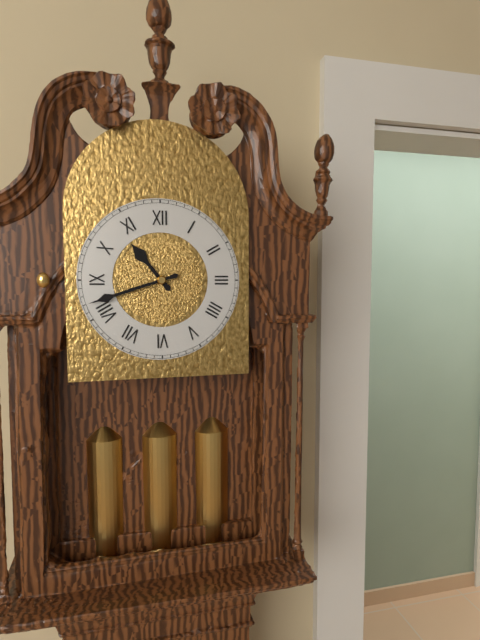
10:42
